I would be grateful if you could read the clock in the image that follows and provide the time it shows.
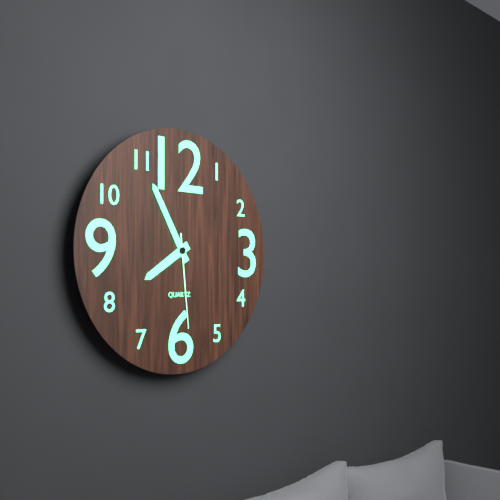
7:55:29
